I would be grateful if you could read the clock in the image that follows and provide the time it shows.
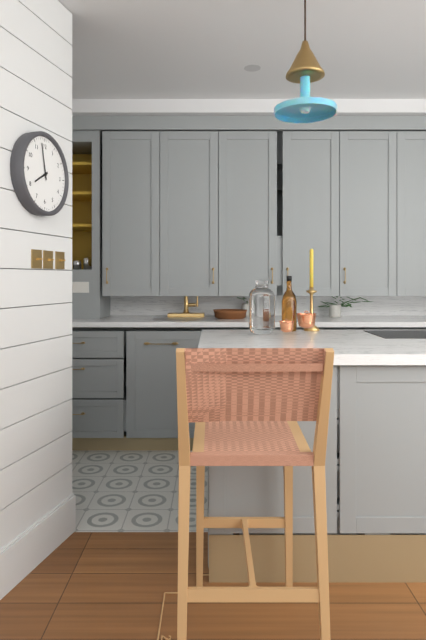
7:58
